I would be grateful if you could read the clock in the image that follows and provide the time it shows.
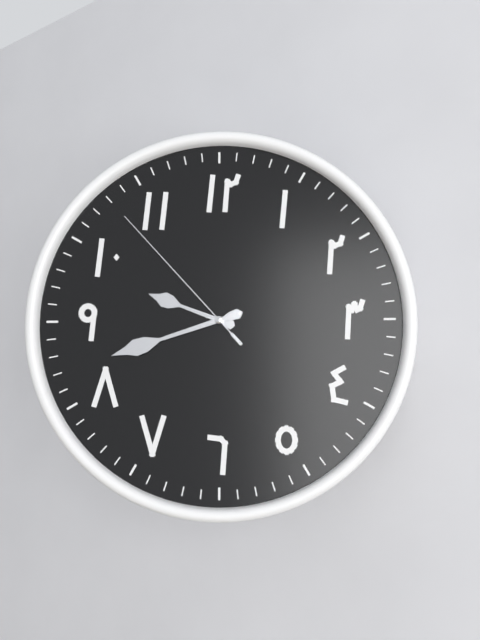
9:42:53
